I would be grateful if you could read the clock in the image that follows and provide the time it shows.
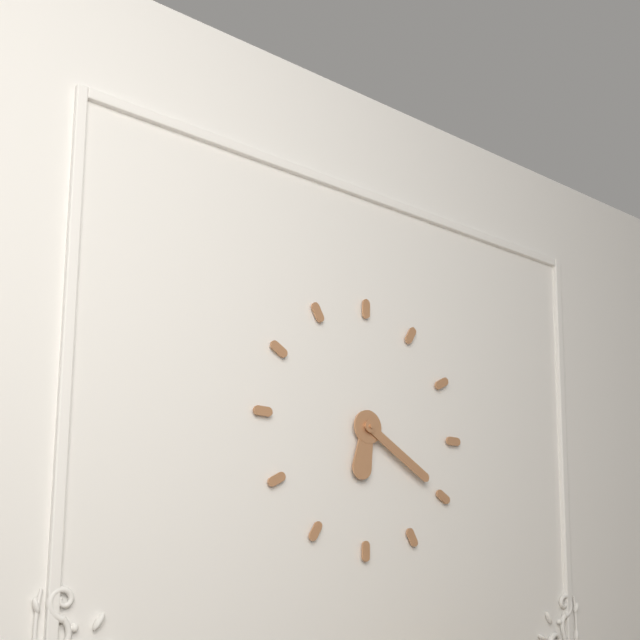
6:20
